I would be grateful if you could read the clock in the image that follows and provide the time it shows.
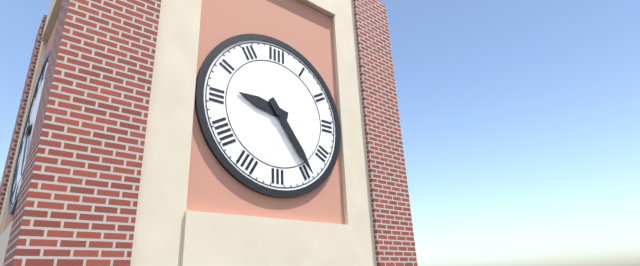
9:24
